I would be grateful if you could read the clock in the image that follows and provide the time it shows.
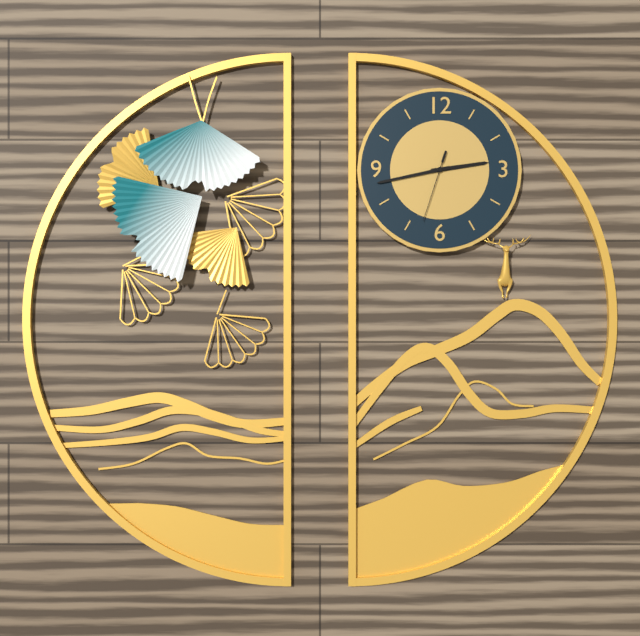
2:43:33
